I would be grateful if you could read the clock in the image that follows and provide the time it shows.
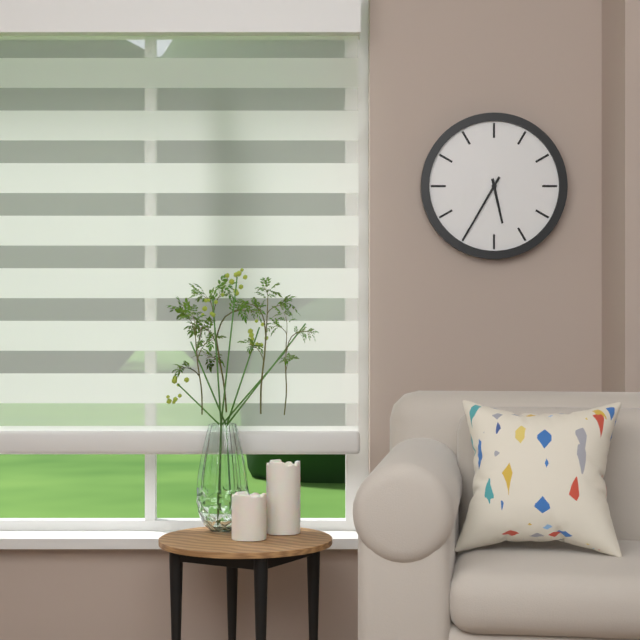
5:35
